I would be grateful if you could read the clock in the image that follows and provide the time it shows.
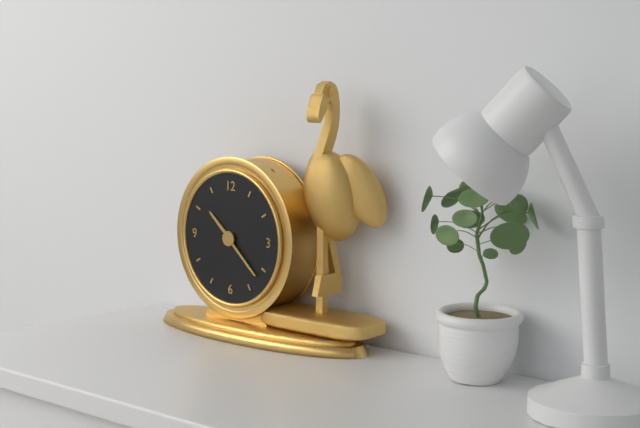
10:22
